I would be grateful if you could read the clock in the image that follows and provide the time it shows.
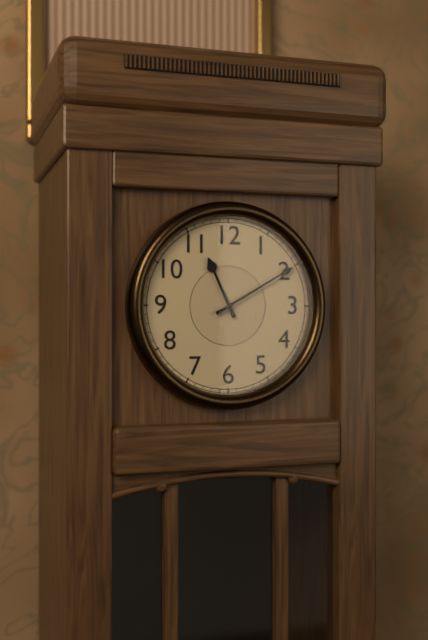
11:10
